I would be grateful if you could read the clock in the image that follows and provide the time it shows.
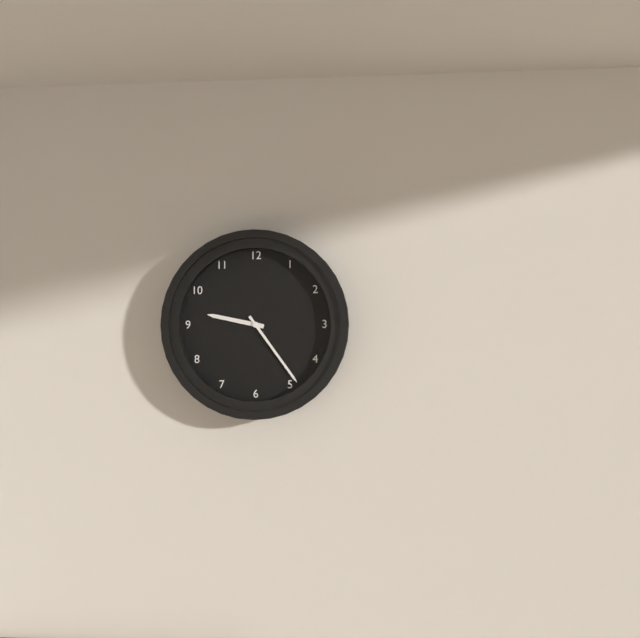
9:24
